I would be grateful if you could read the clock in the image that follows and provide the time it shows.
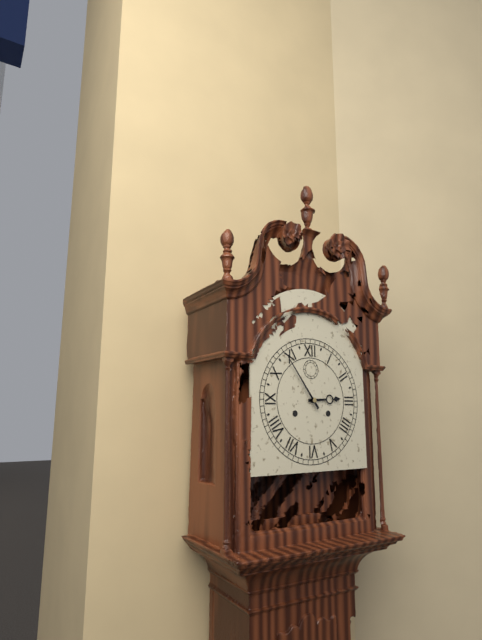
2:54
